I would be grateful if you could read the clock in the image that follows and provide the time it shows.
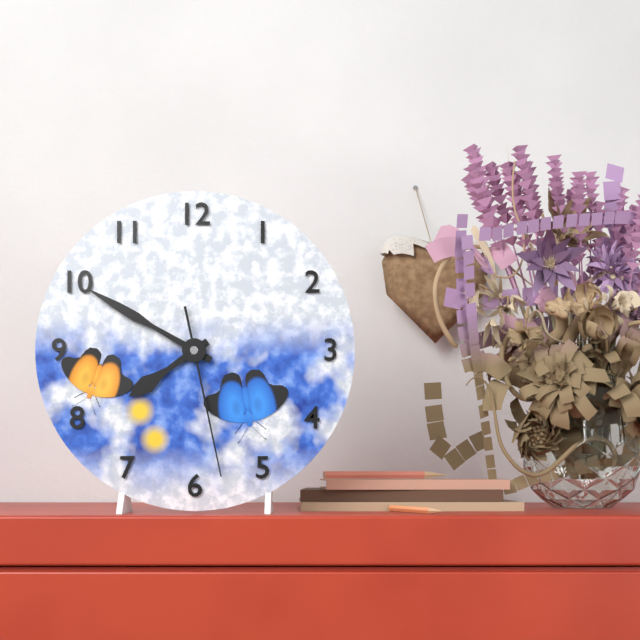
7:50:28
